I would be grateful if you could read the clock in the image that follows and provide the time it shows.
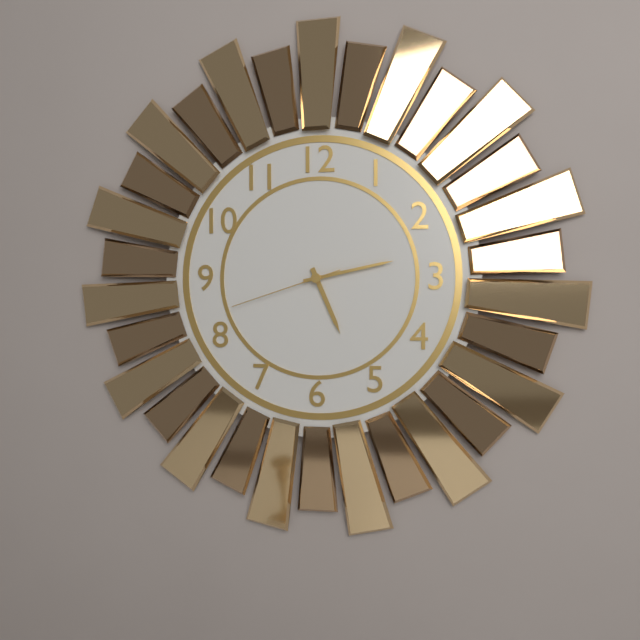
5:13:42
